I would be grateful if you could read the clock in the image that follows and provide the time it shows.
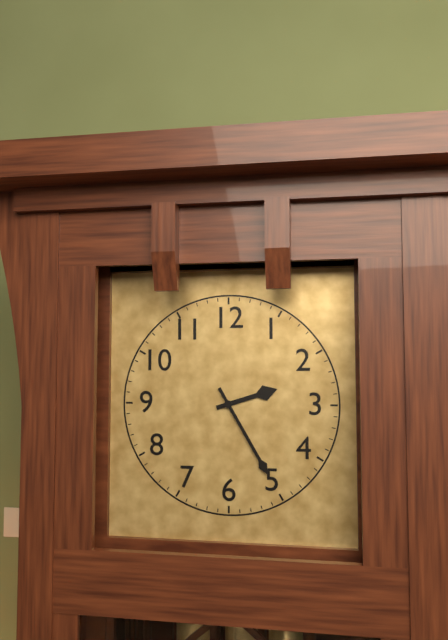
2:25
